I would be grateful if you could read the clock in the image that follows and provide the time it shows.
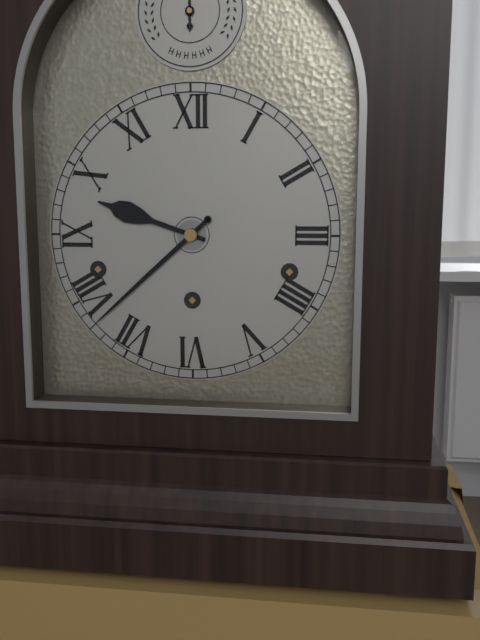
9:38
